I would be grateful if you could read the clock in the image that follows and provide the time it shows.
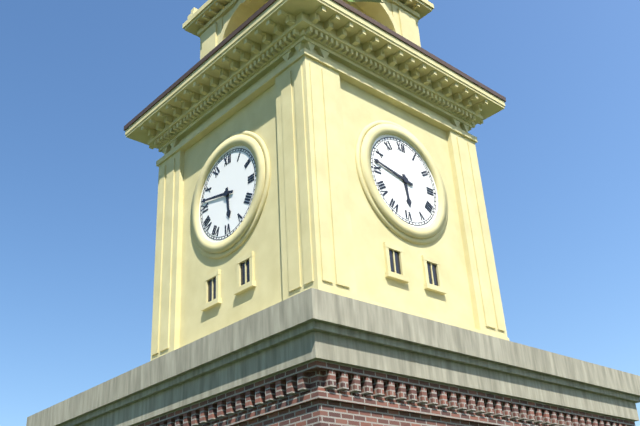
5:47
